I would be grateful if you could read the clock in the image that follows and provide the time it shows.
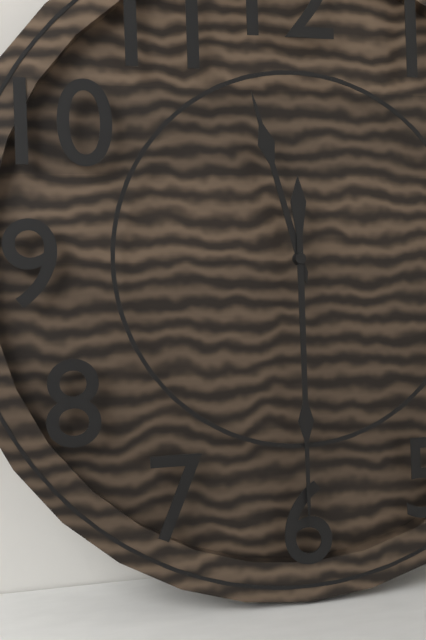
11:30
